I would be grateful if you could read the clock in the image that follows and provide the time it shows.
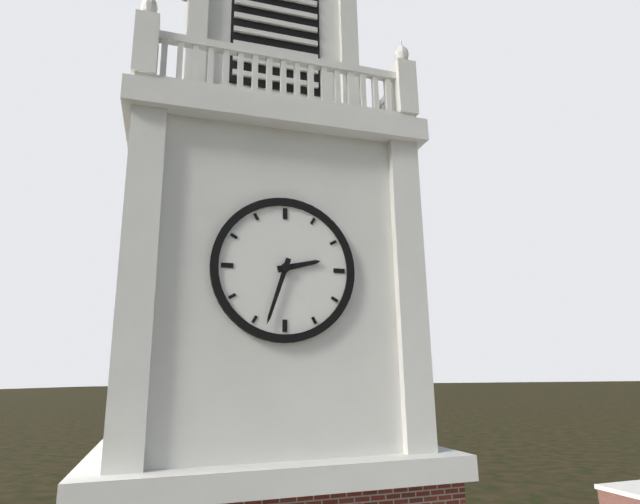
2:33
